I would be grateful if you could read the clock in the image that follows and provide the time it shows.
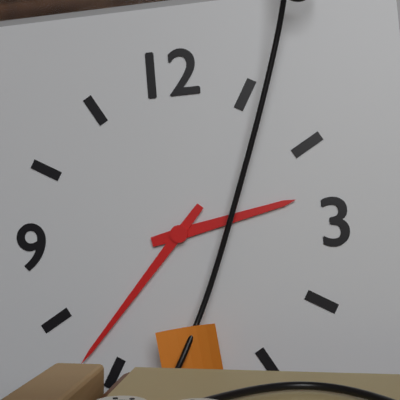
2:37
